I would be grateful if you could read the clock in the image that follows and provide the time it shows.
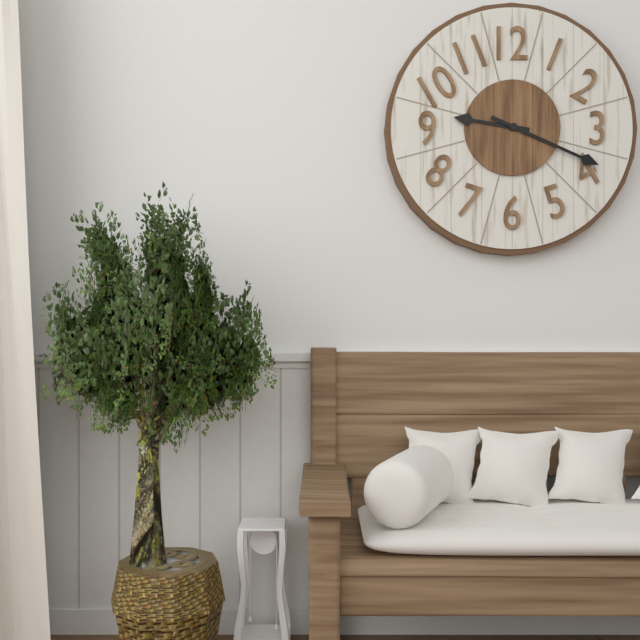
9:19
